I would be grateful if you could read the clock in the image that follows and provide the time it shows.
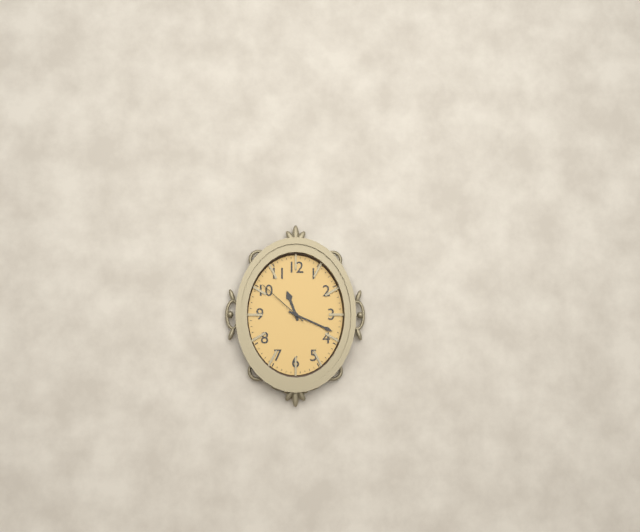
11:19:52
